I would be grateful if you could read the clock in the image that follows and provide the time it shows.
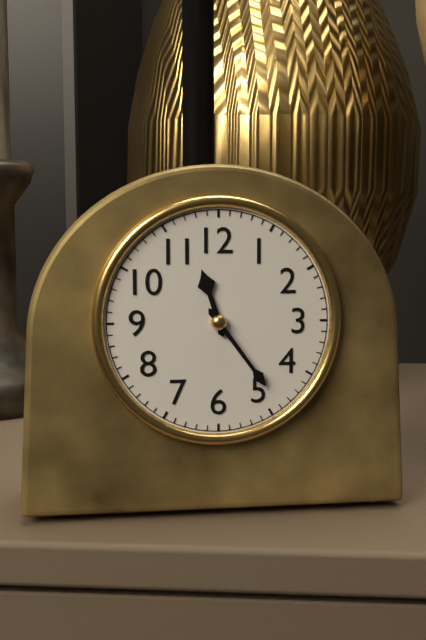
11:24
